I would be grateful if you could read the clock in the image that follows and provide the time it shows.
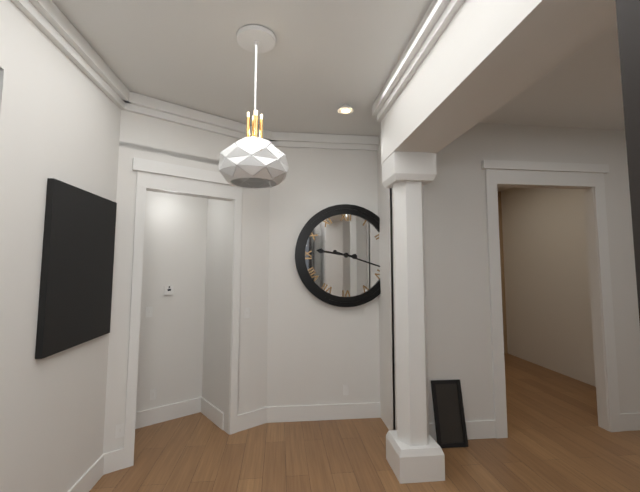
9:18
